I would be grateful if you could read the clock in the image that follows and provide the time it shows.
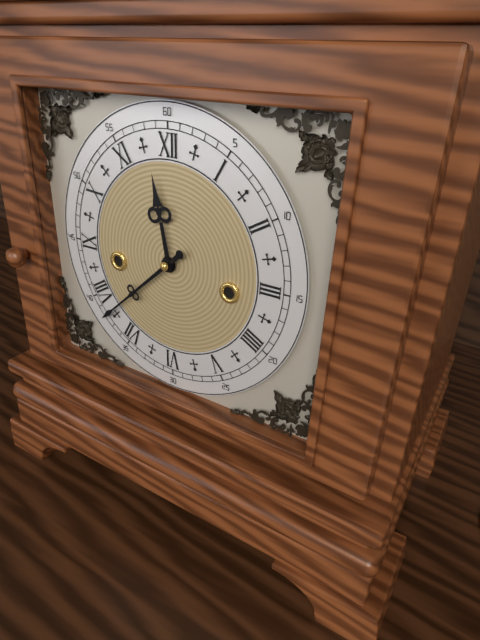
11:38
